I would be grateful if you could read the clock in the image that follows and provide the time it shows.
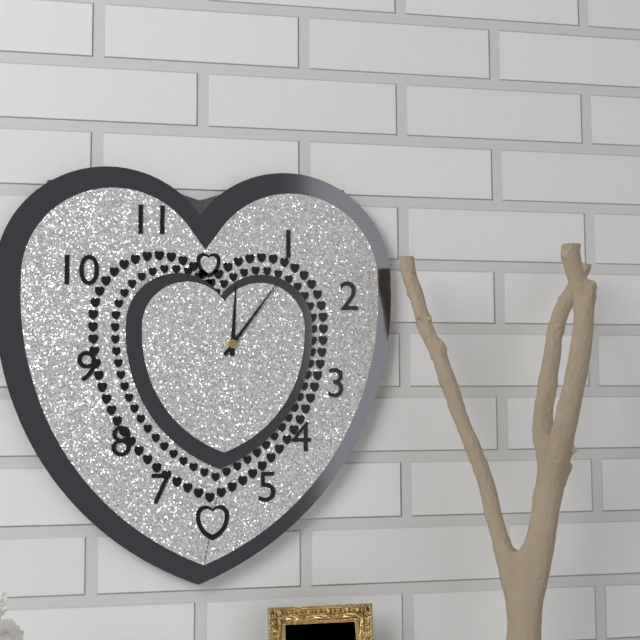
12:06
